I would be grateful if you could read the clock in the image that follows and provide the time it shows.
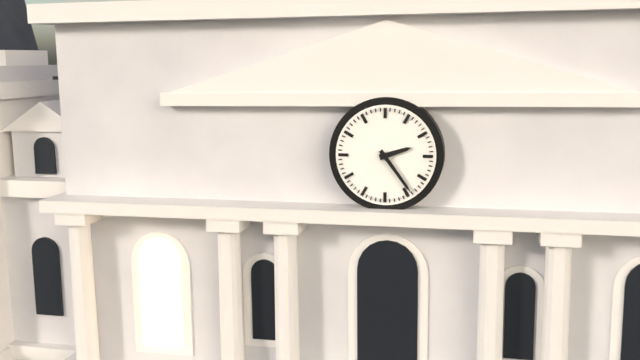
2:24
